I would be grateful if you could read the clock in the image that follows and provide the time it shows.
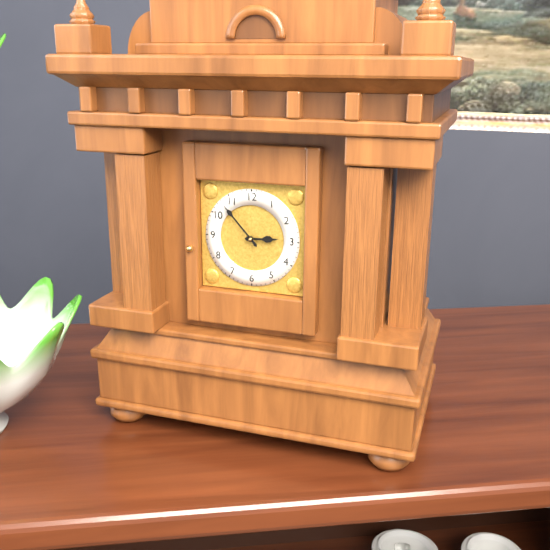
2:53
